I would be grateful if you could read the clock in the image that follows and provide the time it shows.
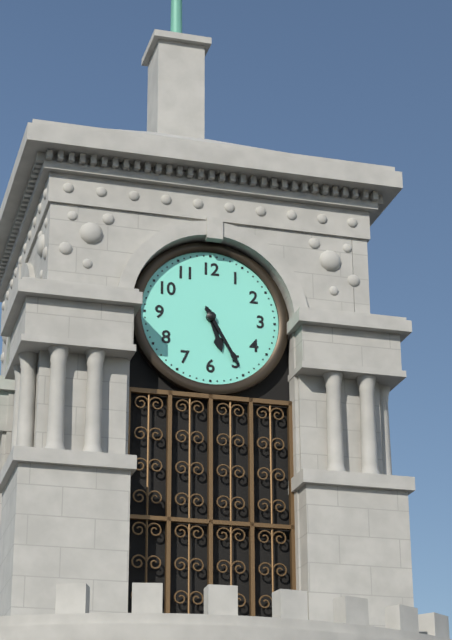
5:25
